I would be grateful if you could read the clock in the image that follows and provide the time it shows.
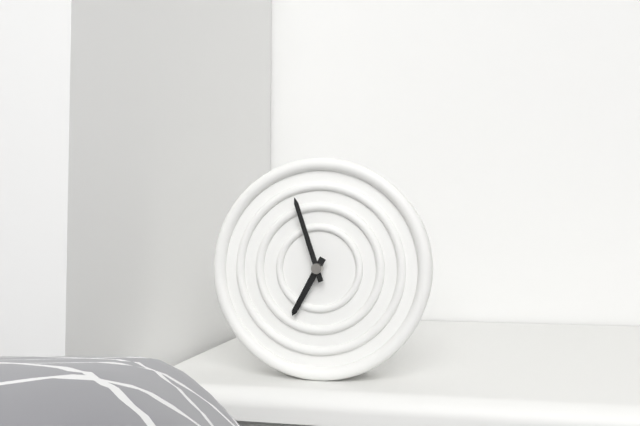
6:57
